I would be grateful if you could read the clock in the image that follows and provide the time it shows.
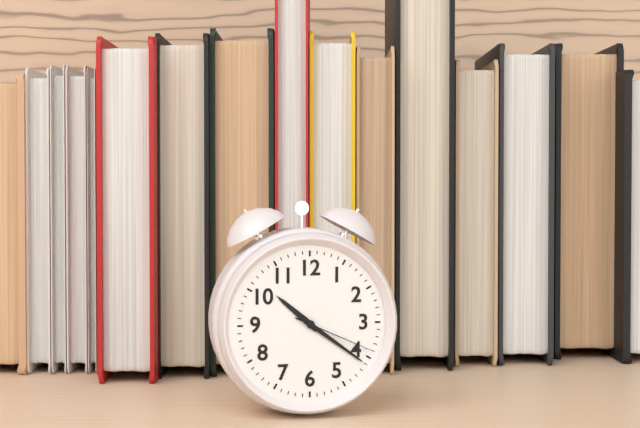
10:21:19
